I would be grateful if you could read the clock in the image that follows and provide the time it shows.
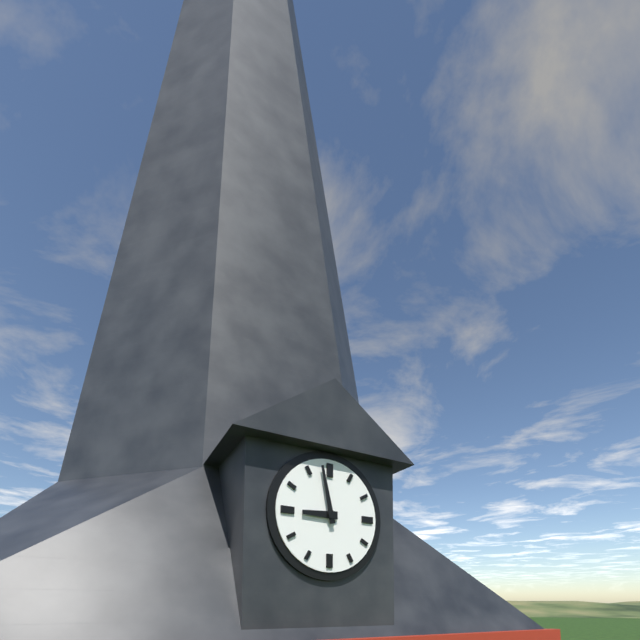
8:58
